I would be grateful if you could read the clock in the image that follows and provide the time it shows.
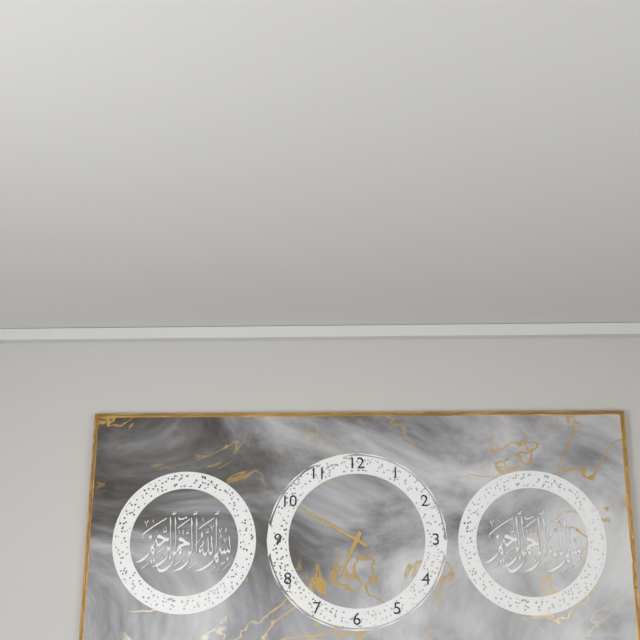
6:50
